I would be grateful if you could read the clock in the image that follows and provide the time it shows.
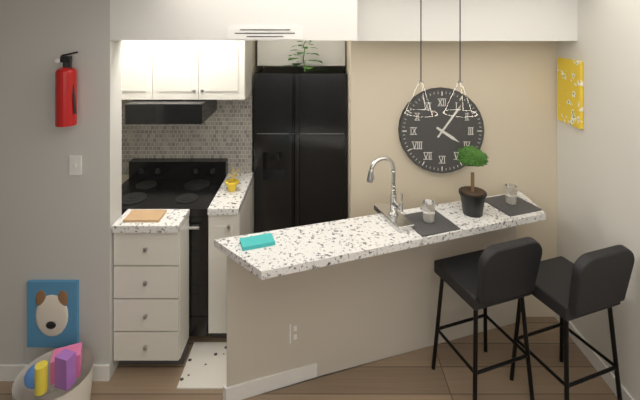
4:06
